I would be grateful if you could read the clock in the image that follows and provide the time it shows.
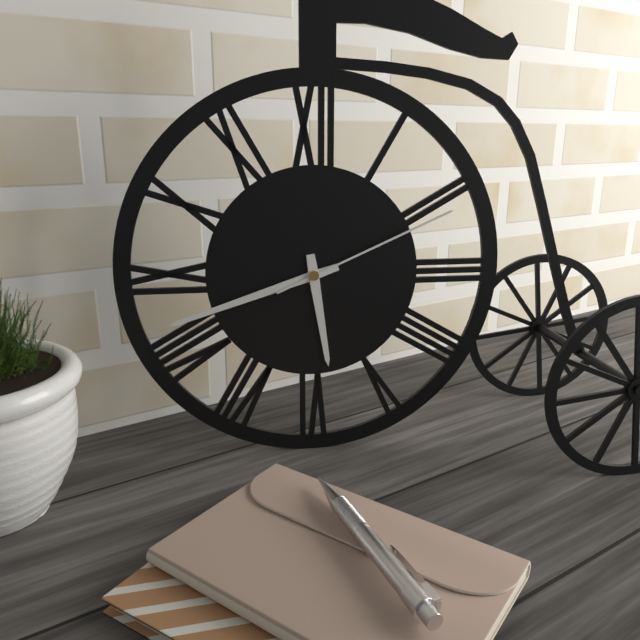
5:42:11
